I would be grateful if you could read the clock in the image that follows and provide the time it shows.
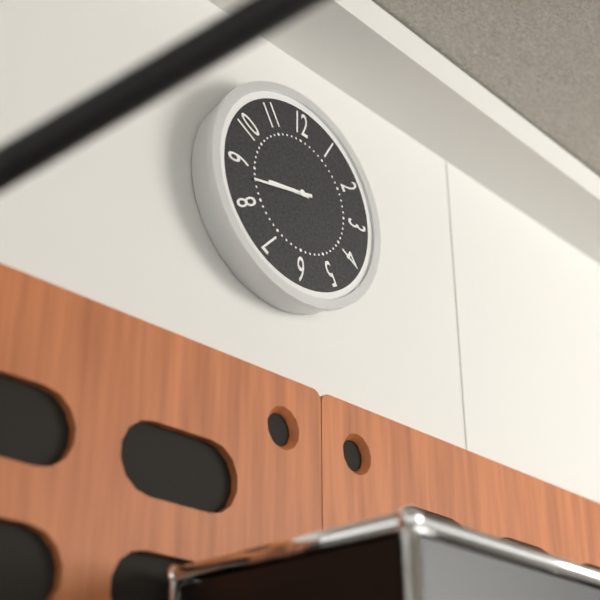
8:43
